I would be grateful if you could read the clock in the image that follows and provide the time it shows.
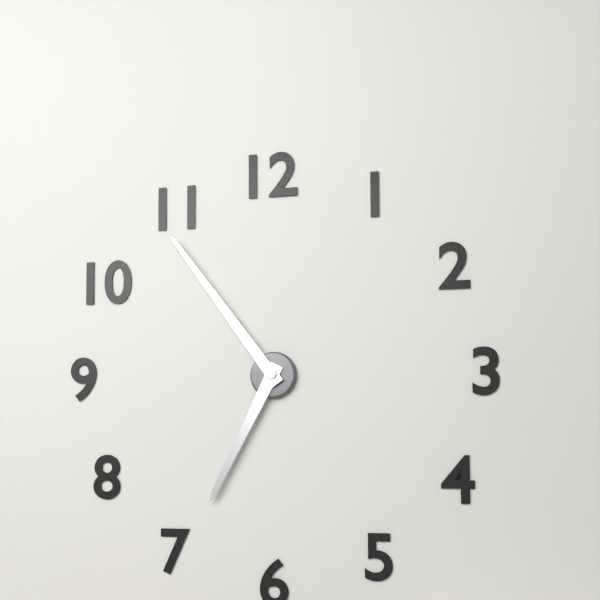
6:54
